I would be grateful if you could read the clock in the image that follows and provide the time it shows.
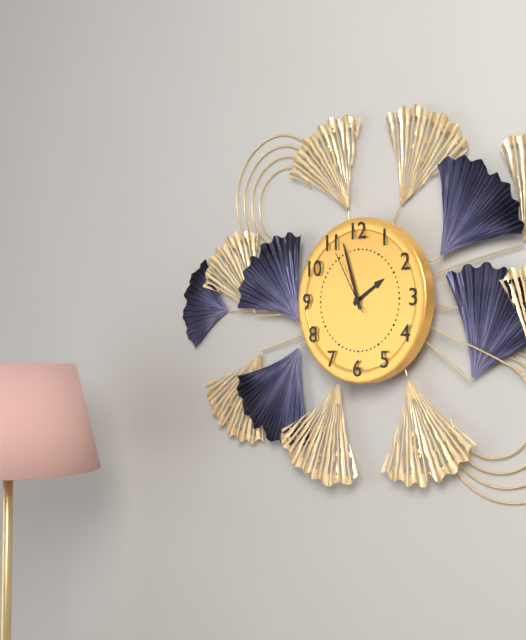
1:57:55
